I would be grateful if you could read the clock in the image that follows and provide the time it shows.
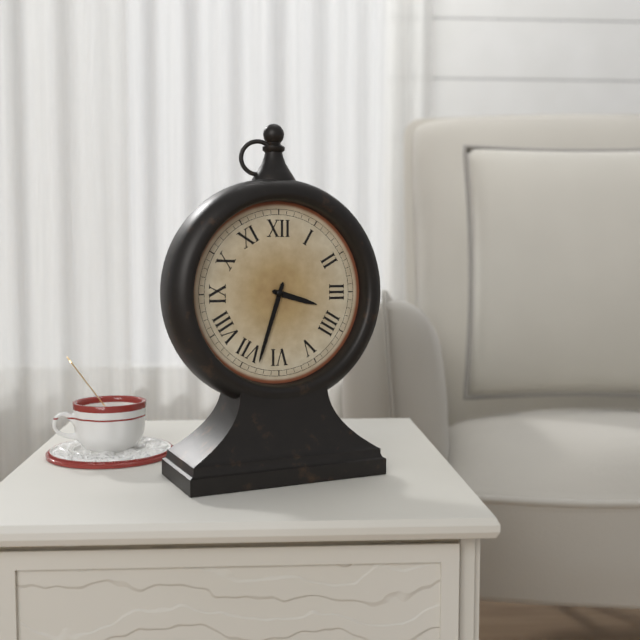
3:33
